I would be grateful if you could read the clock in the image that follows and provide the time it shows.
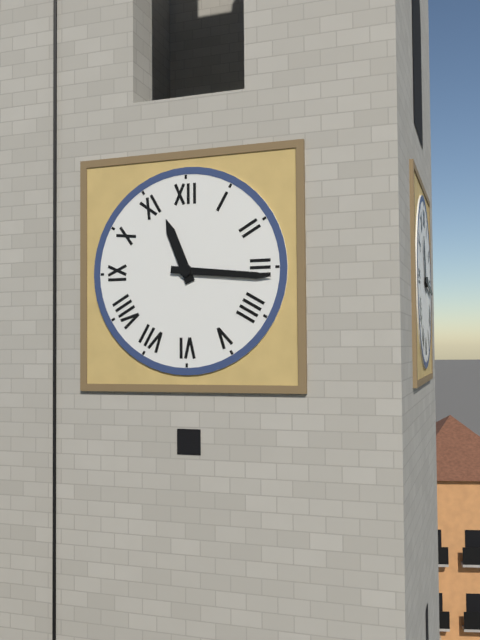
11:16
